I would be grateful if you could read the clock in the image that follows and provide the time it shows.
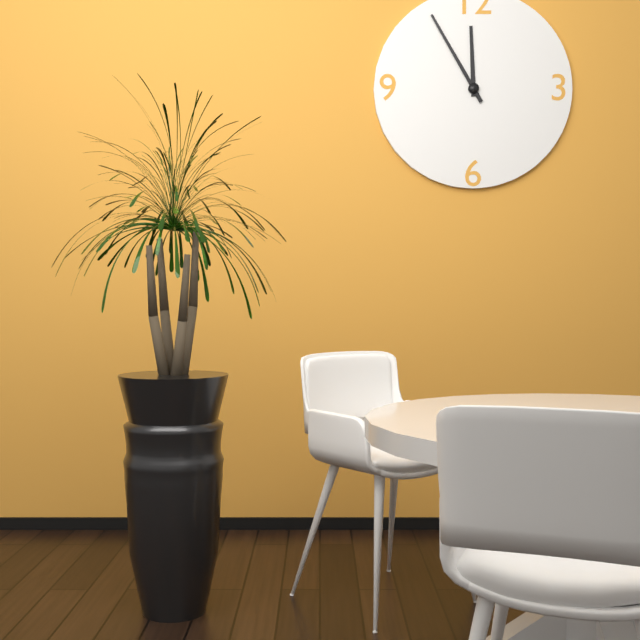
11:55
